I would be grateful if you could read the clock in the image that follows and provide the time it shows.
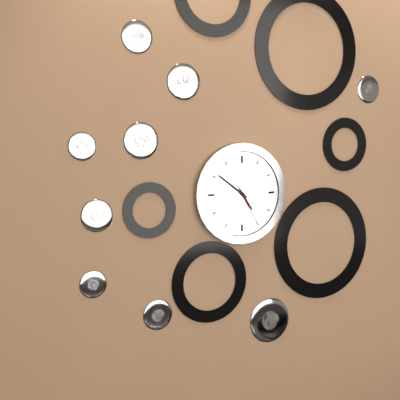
4:51
